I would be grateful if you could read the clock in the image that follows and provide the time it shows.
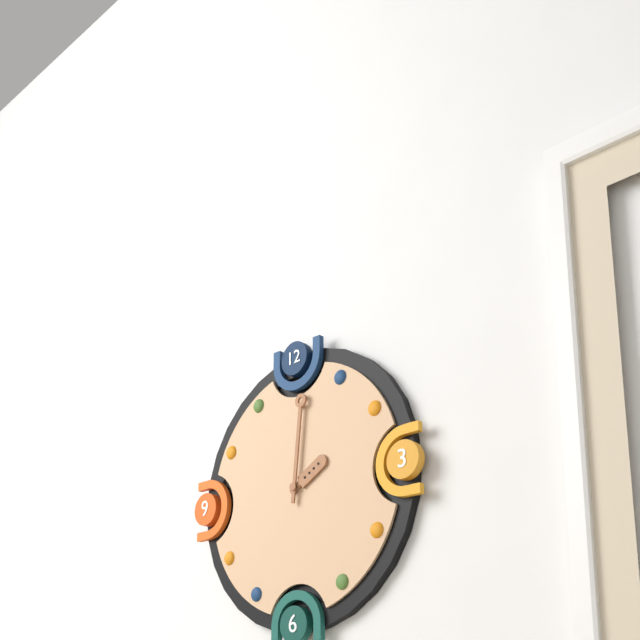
2:01
